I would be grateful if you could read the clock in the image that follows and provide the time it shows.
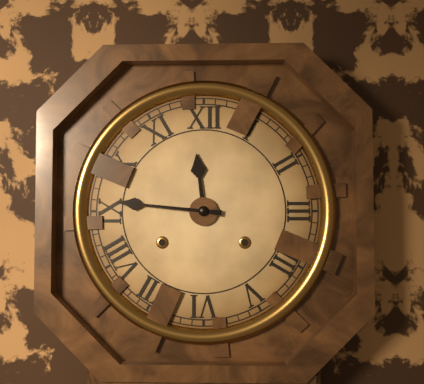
11:46
